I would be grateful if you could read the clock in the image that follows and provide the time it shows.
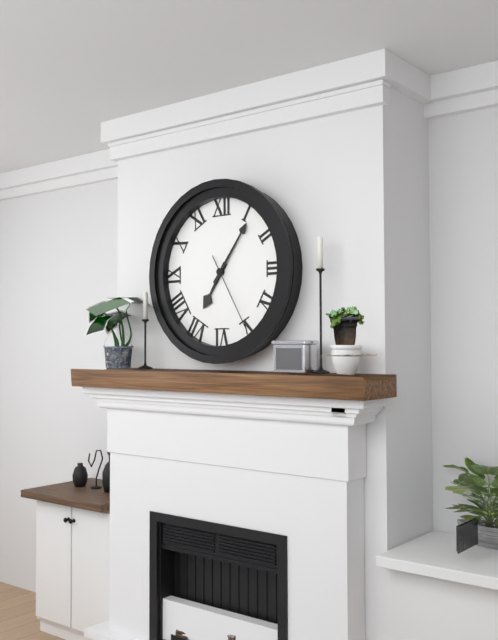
7:06:25
